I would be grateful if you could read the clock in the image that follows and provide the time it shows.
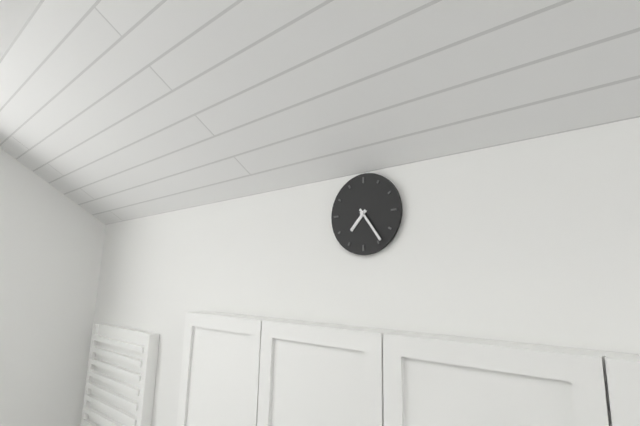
7:24
